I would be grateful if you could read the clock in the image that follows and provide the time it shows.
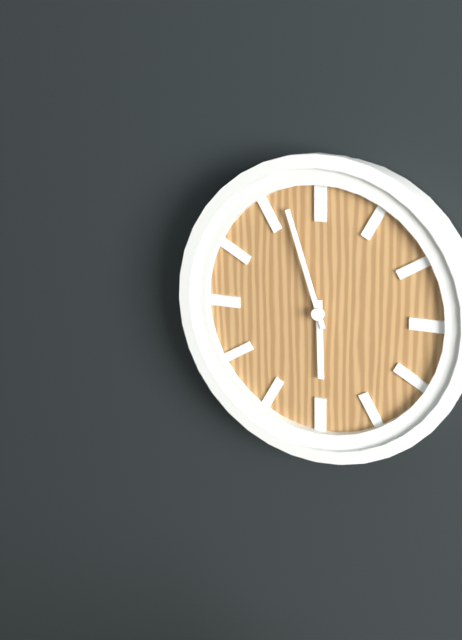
5:57
